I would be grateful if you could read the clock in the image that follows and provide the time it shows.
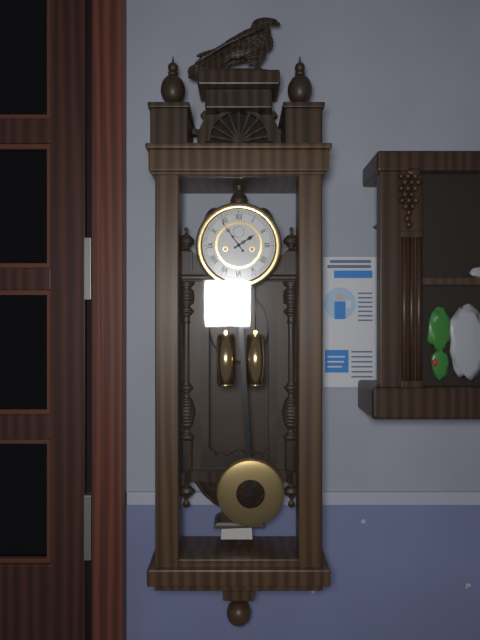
1:54
